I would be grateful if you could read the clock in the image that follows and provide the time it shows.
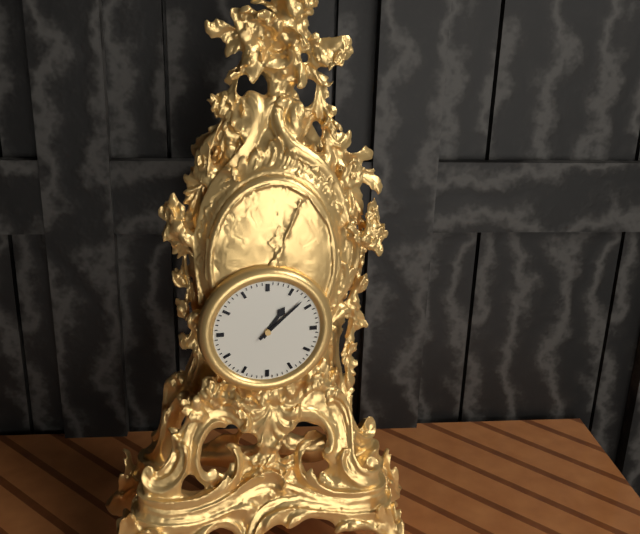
1:08
